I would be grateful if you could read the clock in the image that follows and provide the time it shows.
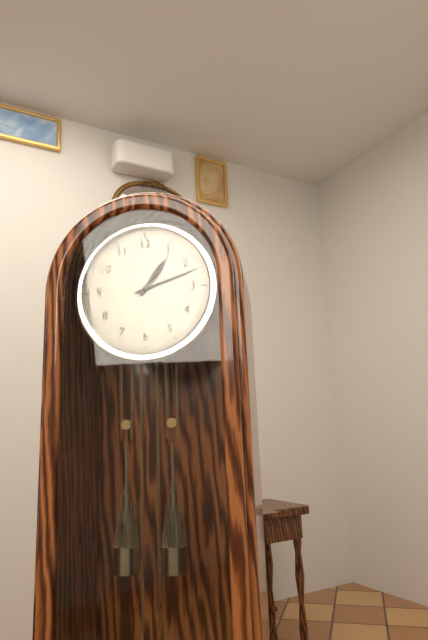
1:12
